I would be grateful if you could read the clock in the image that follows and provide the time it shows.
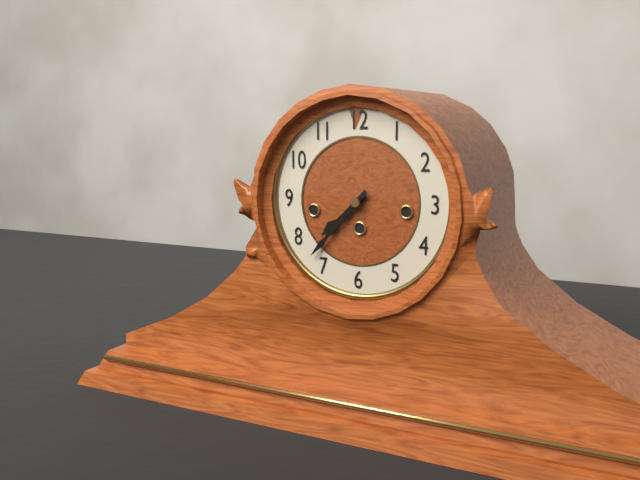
7:37
